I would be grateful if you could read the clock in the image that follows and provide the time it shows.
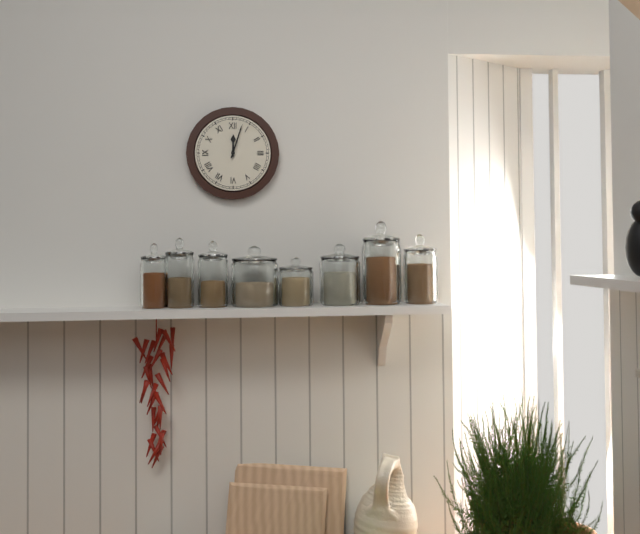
12:03
